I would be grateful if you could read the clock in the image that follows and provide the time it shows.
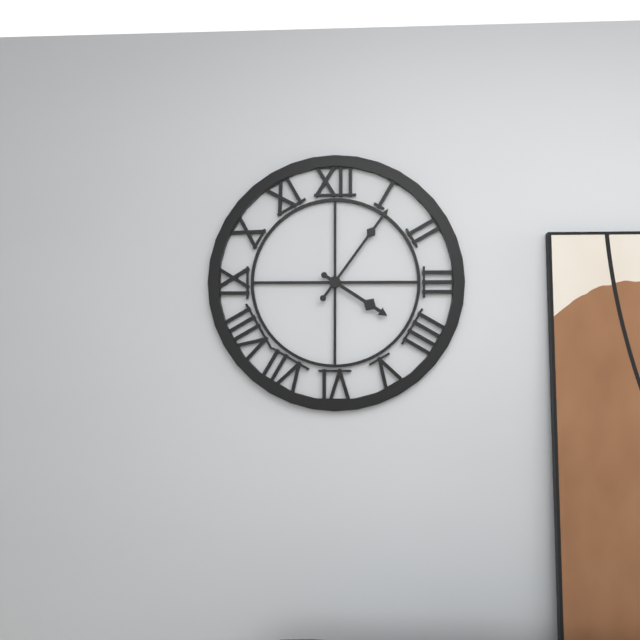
4:06
